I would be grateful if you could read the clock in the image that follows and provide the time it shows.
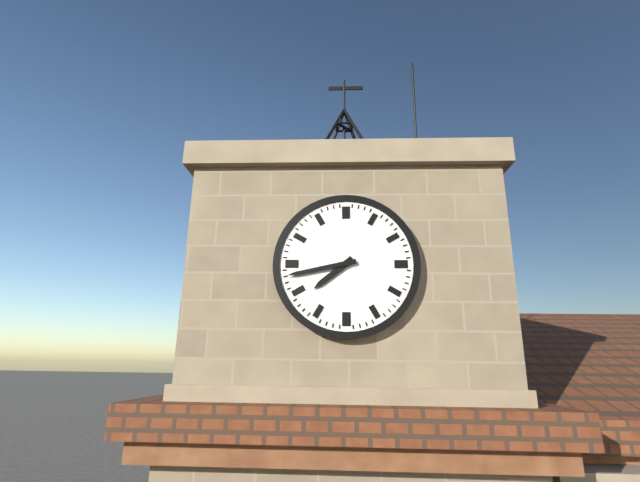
7:43
